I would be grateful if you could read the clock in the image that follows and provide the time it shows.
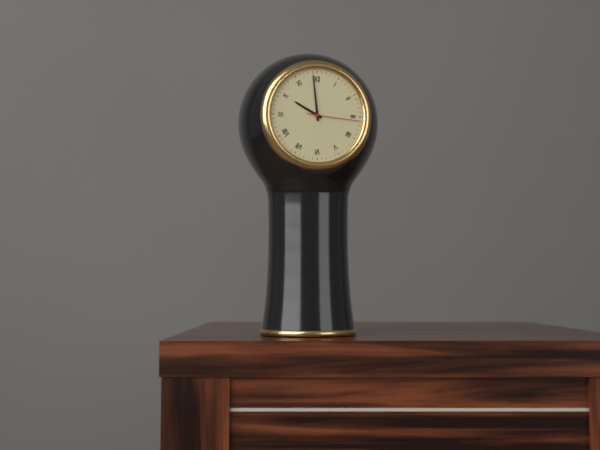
9:59:16
